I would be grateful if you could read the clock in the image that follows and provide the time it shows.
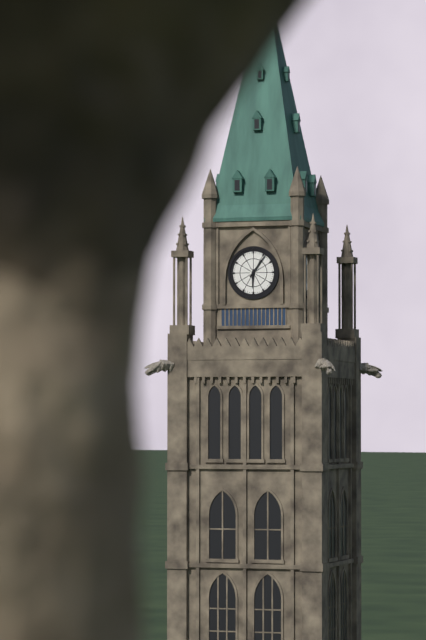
6:06
